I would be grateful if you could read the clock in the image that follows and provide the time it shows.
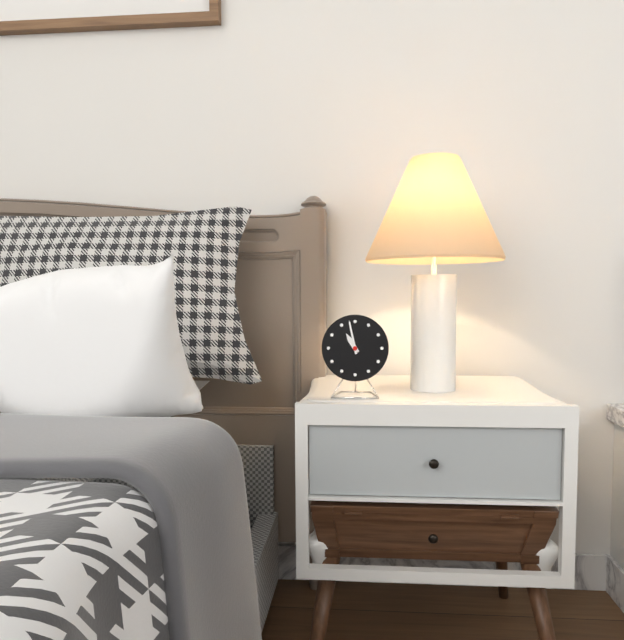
10:58
